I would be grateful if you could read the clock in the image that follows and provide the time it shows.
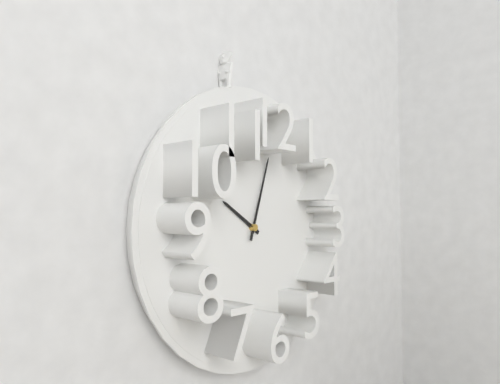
10:03
